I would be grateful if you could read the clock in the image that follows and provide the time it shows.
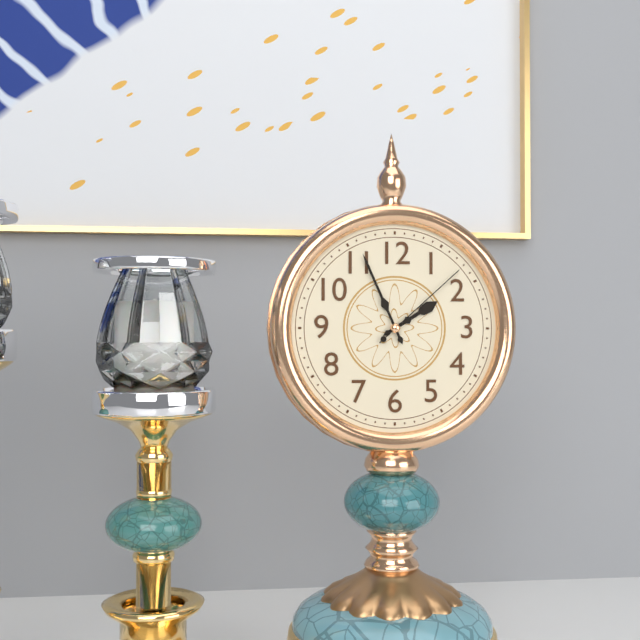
1:56:08
